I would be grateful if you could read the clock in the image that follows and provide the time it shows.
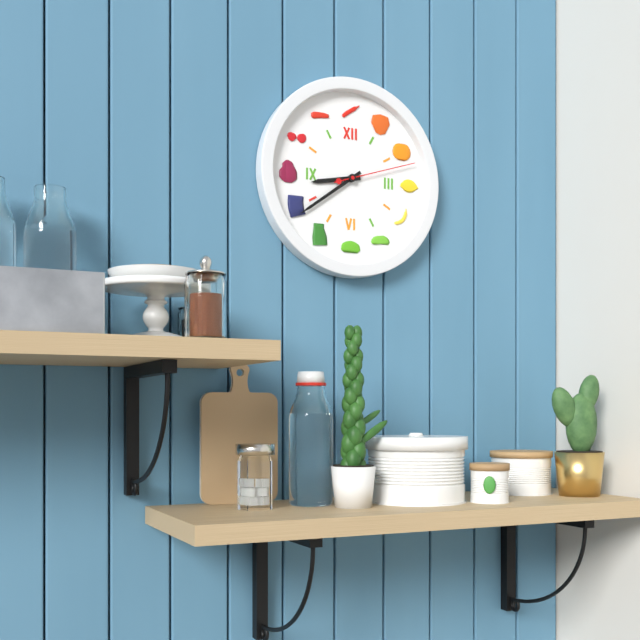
8:39:12
